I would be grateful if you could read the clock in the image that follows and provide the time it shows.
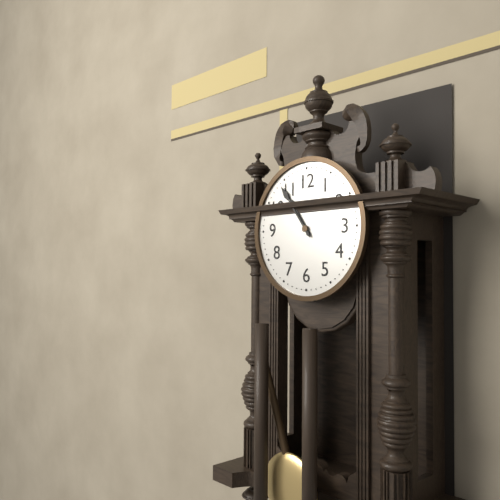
10:54
